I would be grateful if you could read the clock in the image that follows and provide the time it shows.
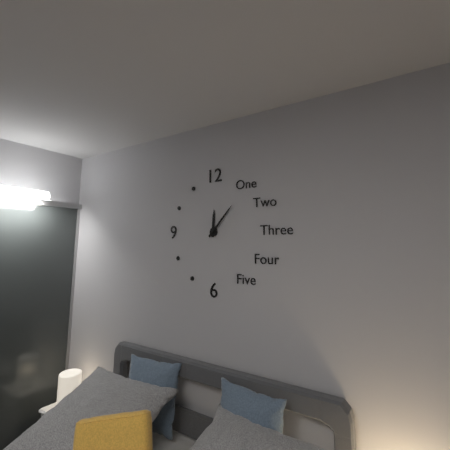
12:07
